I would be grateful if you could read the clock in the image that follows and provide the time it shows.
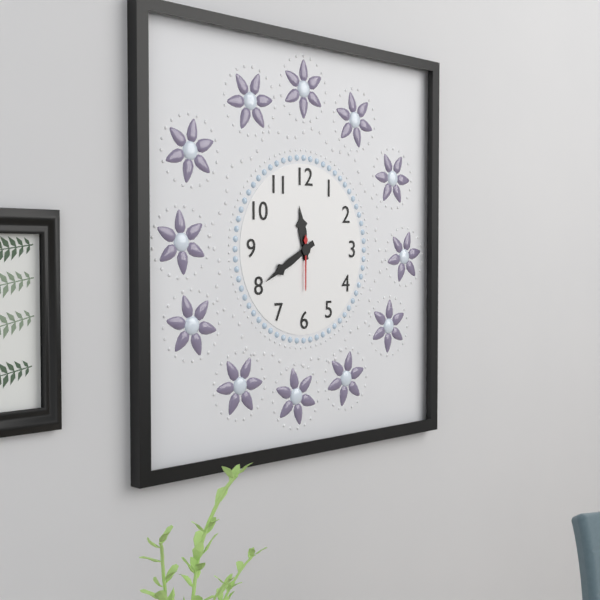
11:40:30
